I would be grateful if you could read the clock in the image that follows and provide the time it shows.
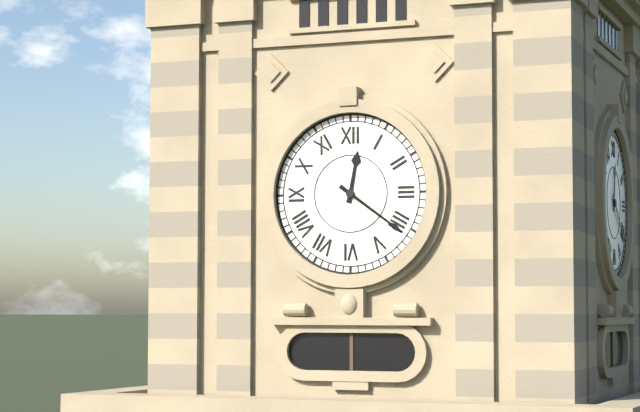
12:21
